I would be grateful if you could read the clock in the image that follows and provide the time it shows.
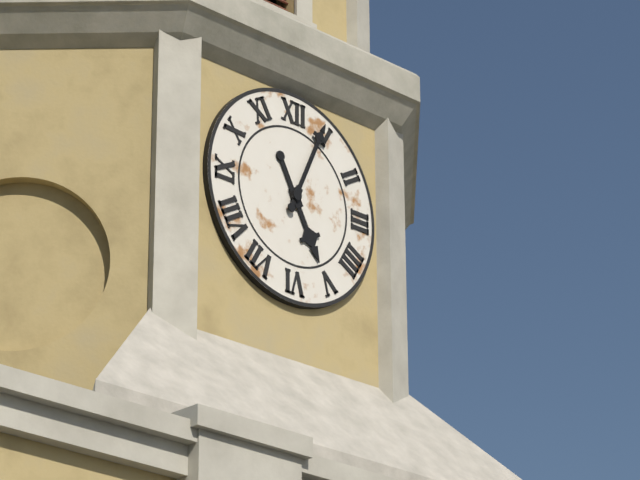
5:04
